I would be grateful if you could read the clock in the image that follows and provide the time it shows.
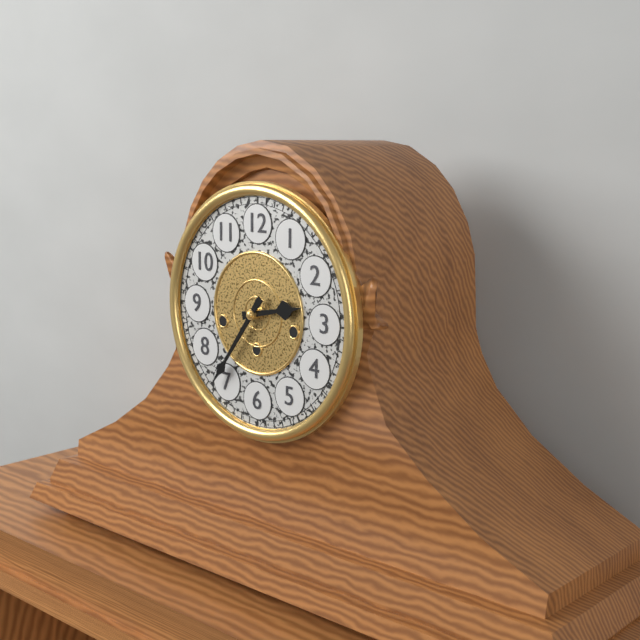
2:36
